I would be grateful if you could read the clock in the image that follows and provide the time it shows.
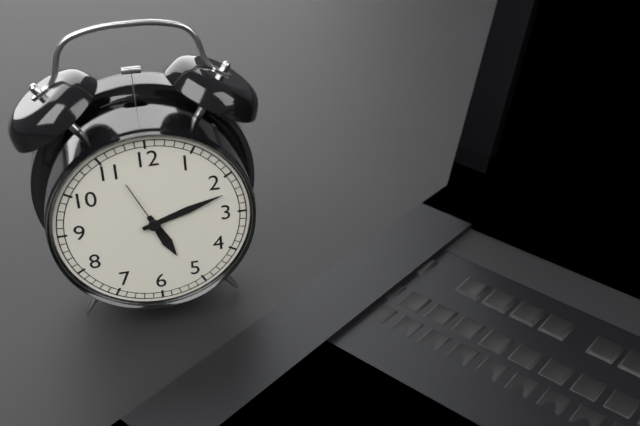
5:12:56
